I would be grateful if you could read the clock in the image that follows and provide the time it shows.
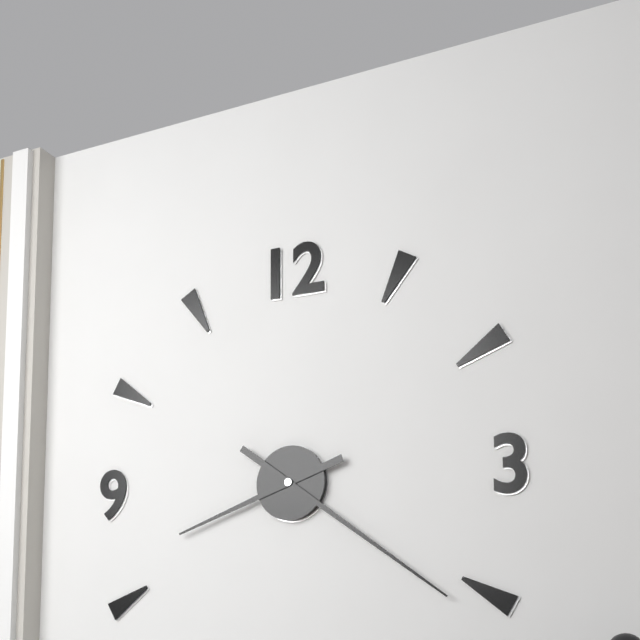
8:21
